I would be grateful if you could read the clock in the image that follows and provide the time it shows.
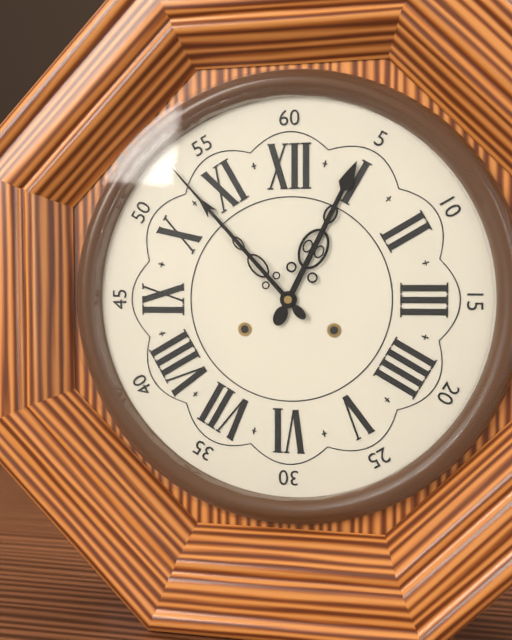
12:53
